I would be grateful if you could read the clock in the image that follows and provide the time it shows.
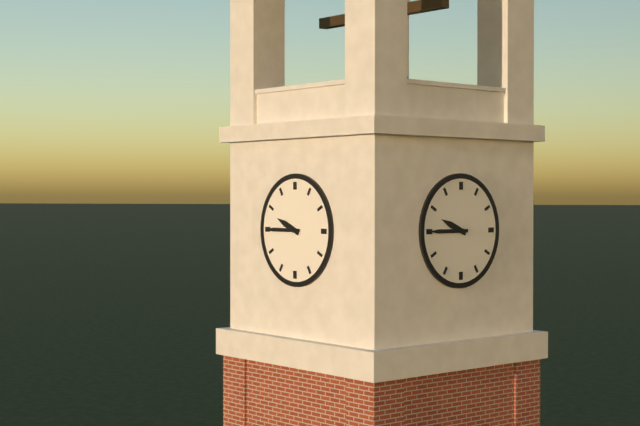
9:45
